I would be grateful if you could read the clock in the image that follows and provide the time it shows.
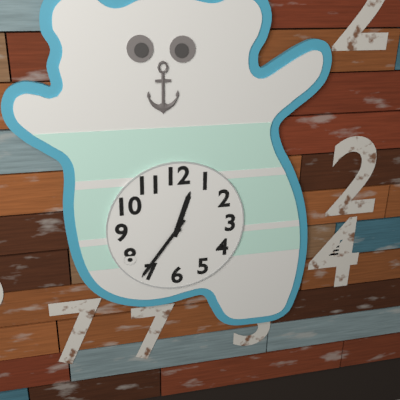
12:36
